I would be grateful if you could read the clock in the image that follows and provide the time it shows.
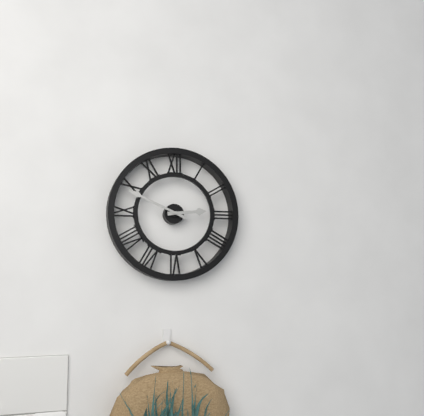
2:49
